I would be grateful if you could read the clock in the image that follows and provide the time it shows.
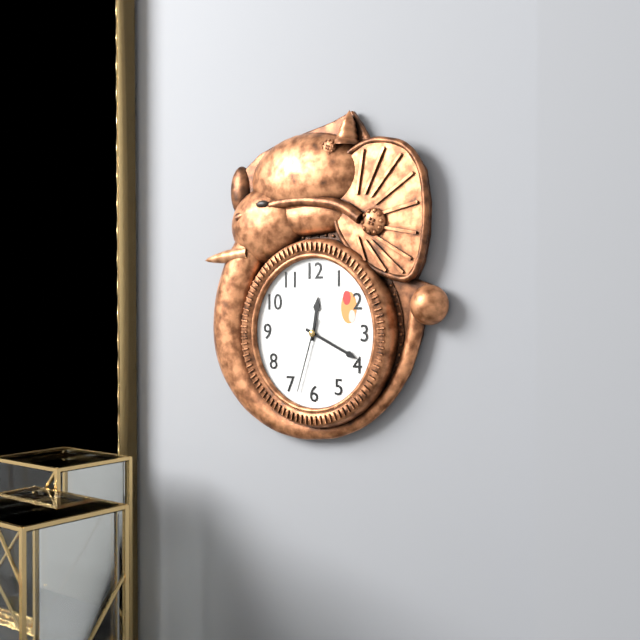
12:19:33
